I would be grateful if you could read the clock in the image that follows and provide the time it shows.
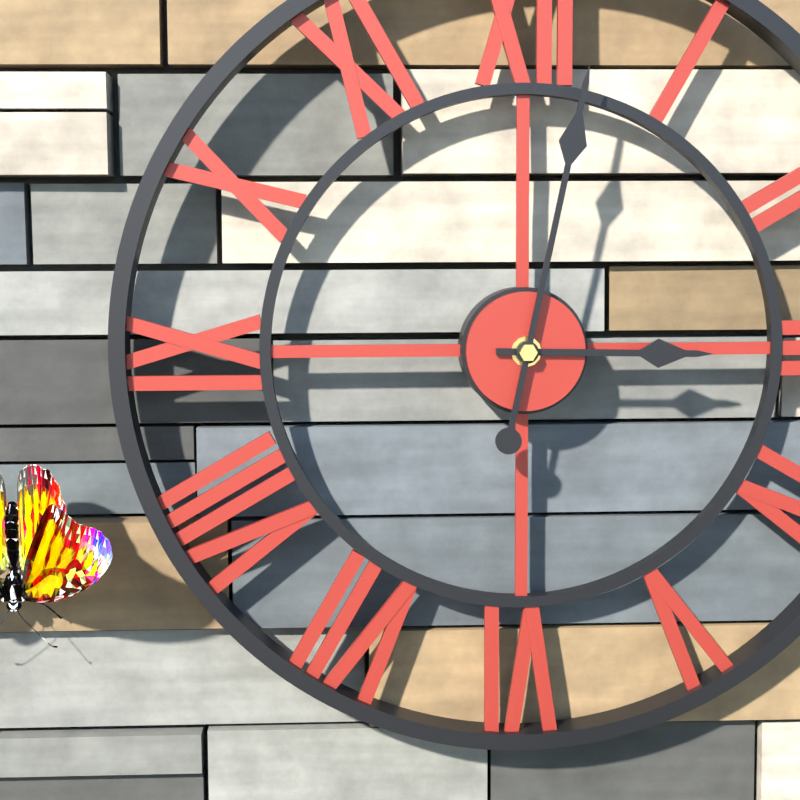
3:02
